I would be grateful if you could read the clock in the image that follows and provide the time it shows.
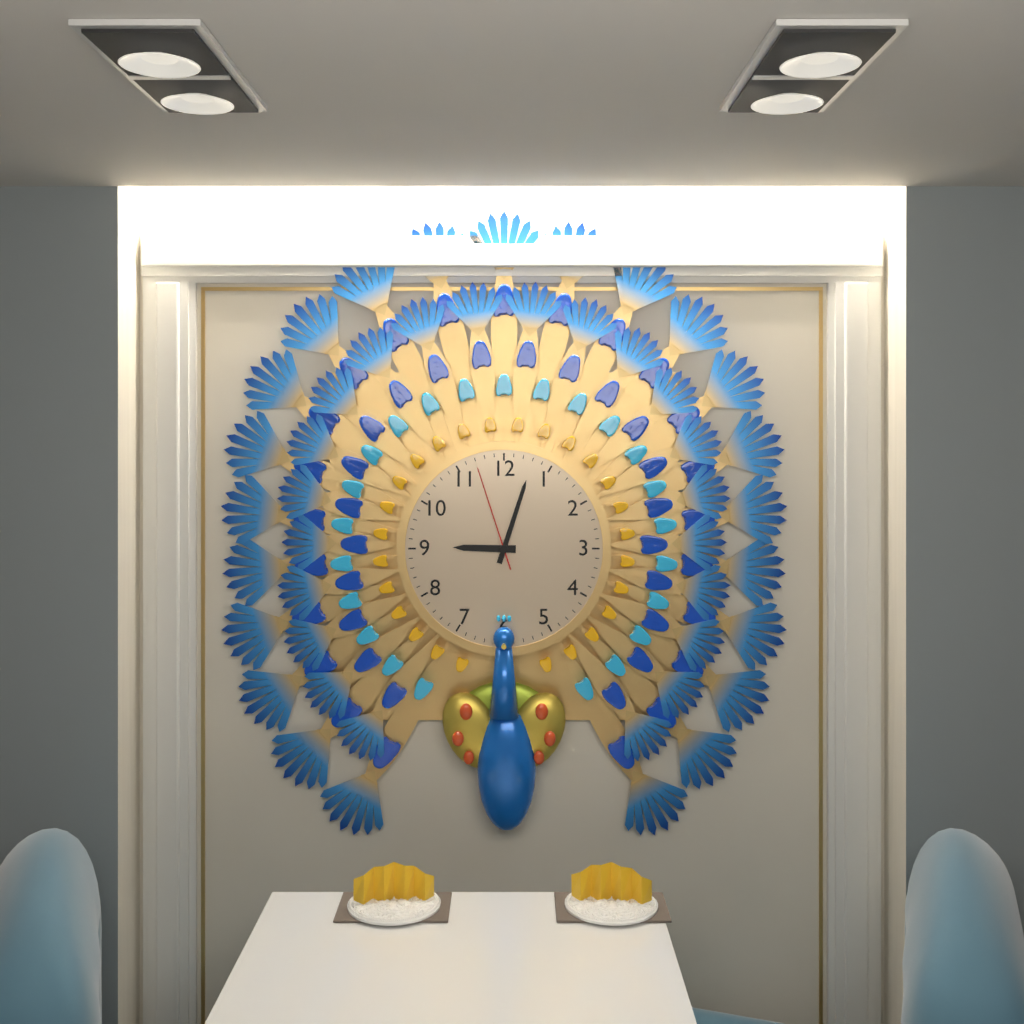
9:03:57
